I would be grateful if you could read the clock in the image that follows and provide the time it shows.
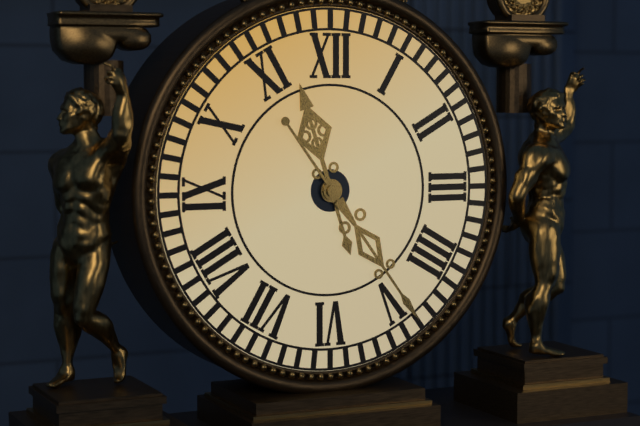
11:24
